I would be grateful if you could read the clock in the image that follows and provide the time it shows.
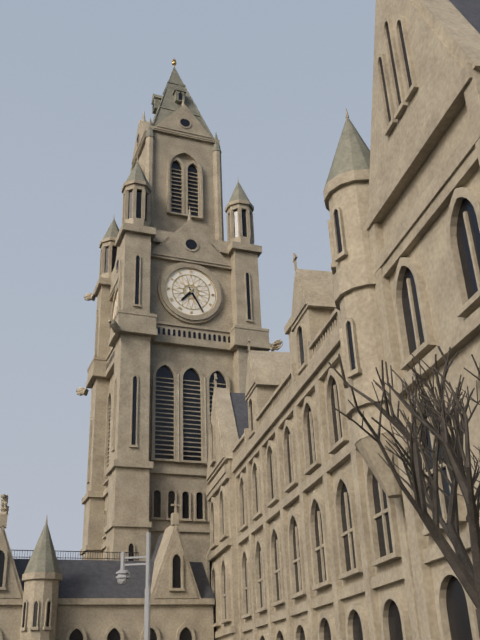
7:25
